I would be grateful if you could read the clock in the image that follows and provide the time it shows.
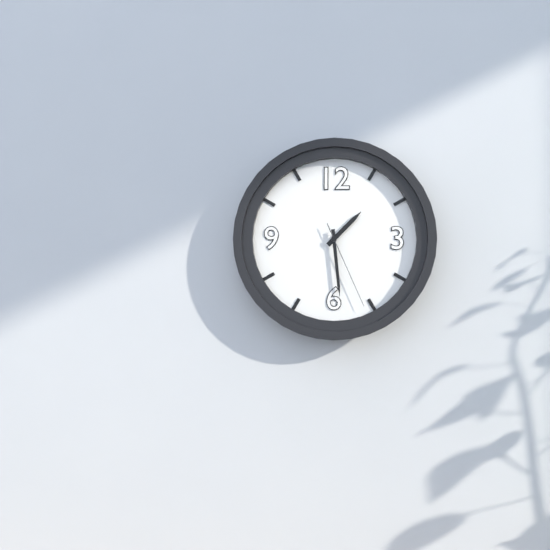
1:29:26
